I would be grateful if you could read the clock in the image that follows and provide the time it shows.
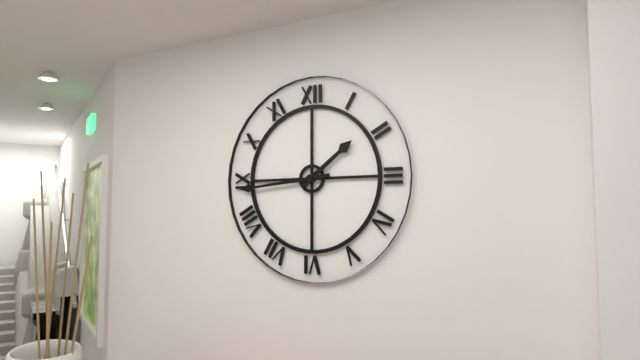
1:44
